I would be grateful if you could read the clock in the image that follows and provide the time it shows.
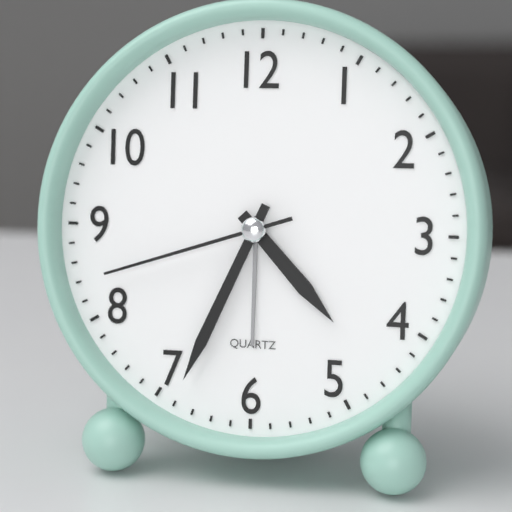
4:34:42
